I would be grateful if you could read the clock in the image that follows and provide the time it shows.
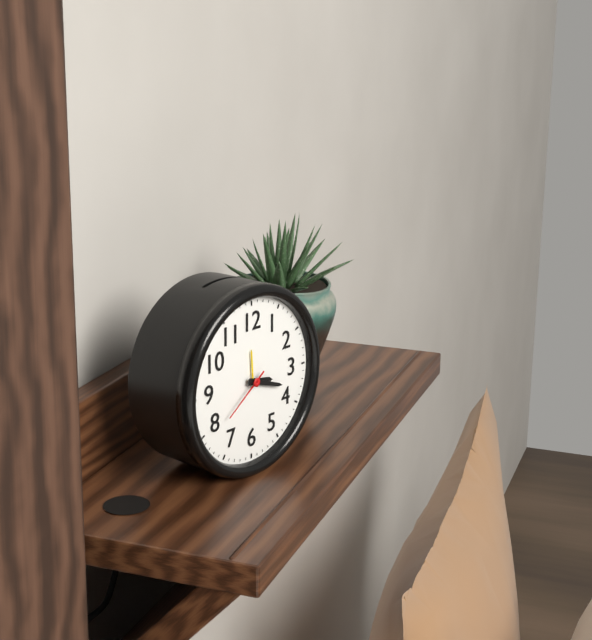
3:18:39
